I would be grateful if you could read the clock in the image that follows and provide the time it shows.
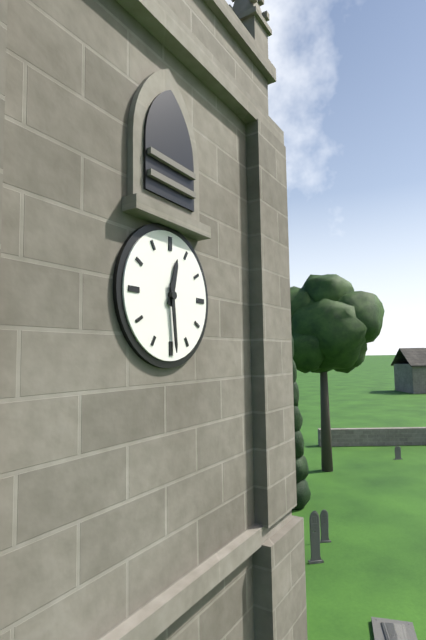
12:29
